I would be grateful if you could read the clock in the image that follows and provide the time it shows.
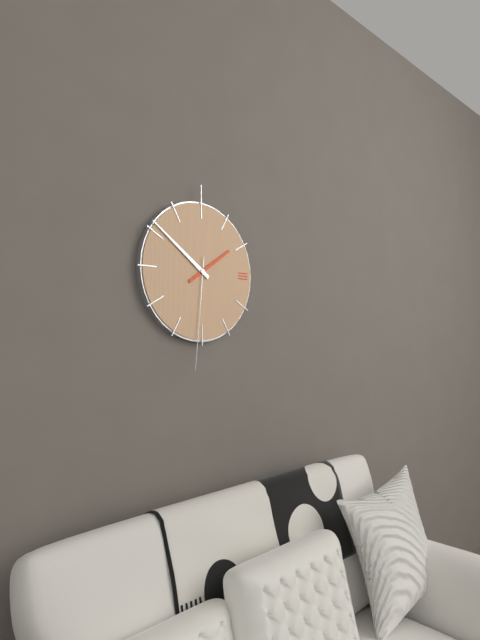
1:51:31
